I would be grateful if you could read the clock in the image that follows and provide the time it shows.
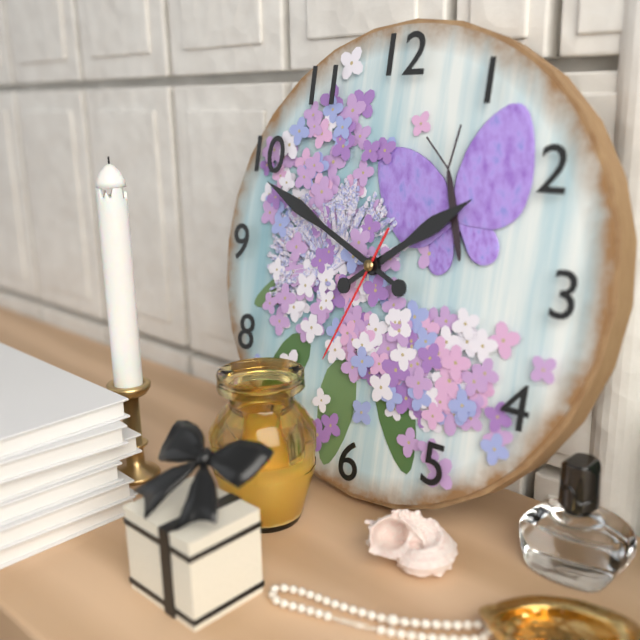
1:49:34
